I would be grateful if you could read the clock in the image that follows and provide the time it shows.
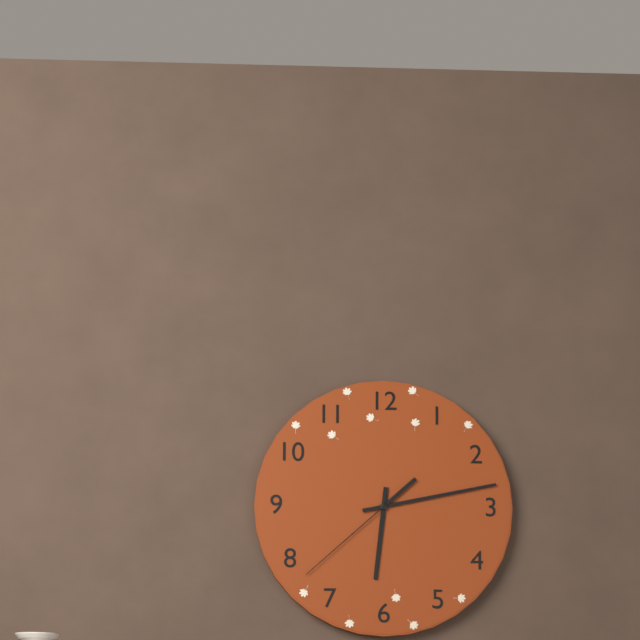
6:13:38
